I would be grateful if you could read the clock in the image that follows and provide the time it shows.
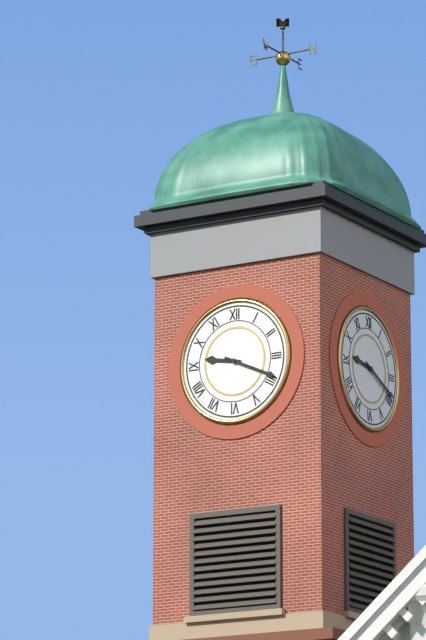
9:19
